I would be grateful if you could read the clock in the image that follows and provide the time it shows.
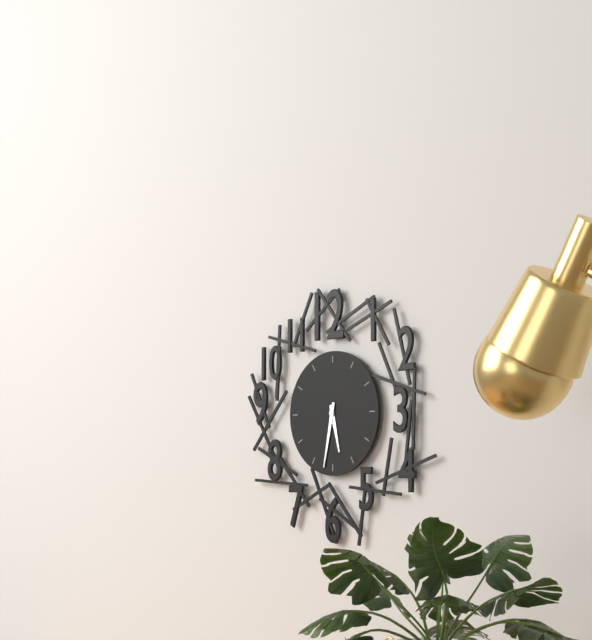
5:32
